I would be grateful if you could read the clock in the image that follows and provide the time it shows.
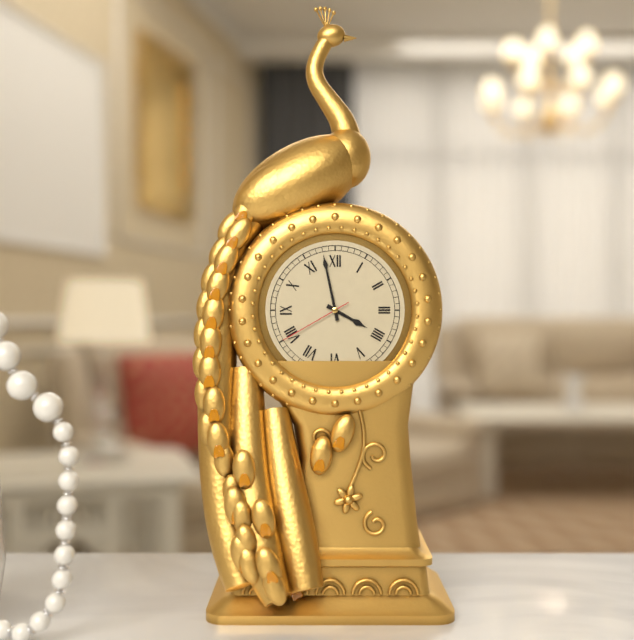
3:58:40
